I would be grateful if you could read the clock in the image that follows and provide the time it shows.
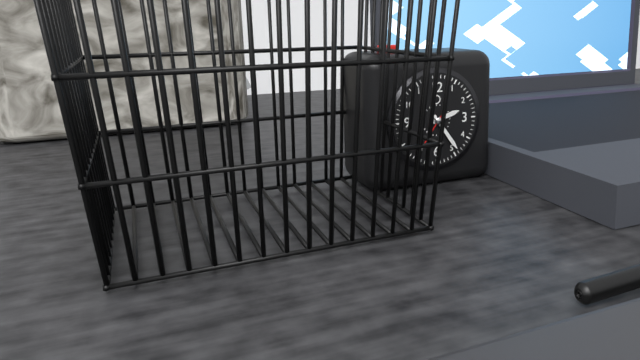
2:24
